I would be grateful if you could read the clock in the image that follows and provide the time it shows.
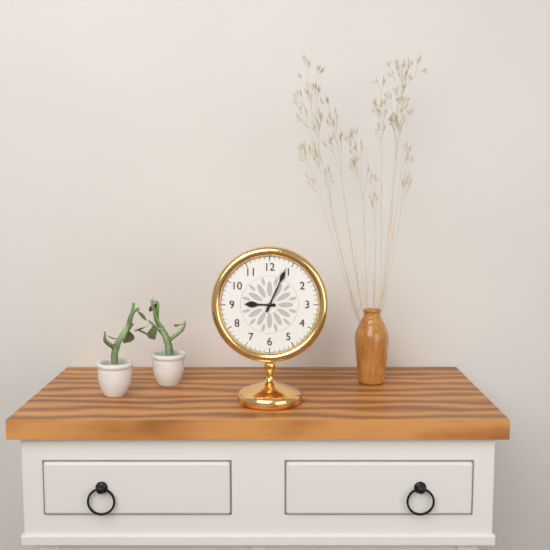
9:04
